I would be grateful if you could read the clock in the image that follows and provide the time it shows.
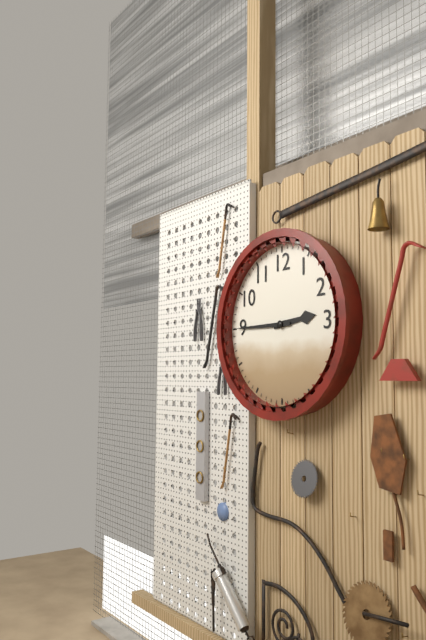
2:45
